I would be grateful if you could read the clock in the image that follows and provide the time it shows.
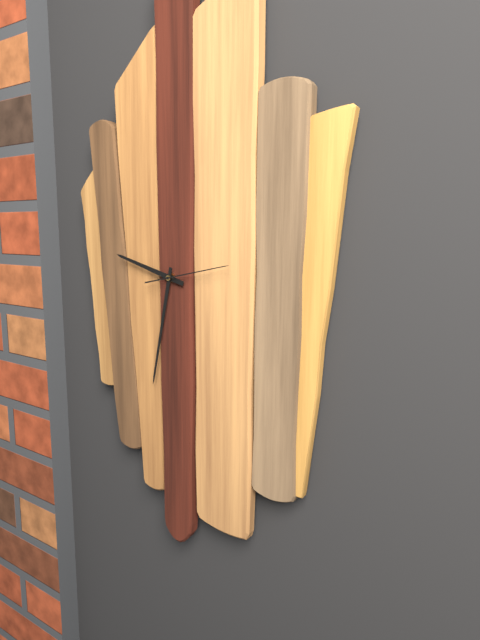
9:32:13
